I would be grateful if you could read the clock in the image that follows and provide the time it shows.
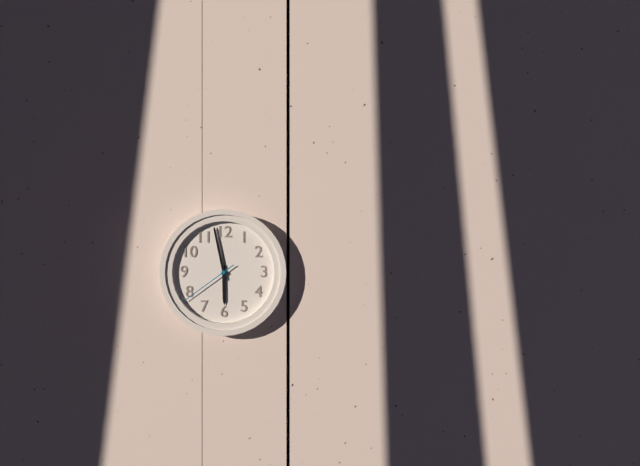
5:58:39
